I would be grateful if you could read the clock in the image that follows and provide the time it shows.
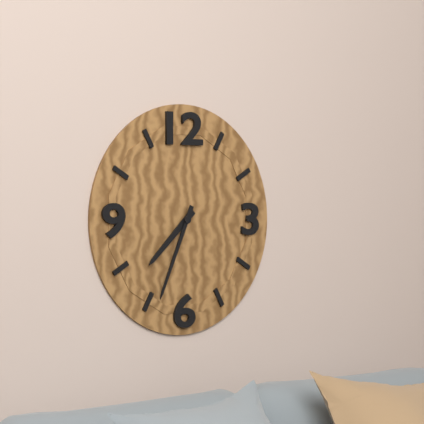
7:34
